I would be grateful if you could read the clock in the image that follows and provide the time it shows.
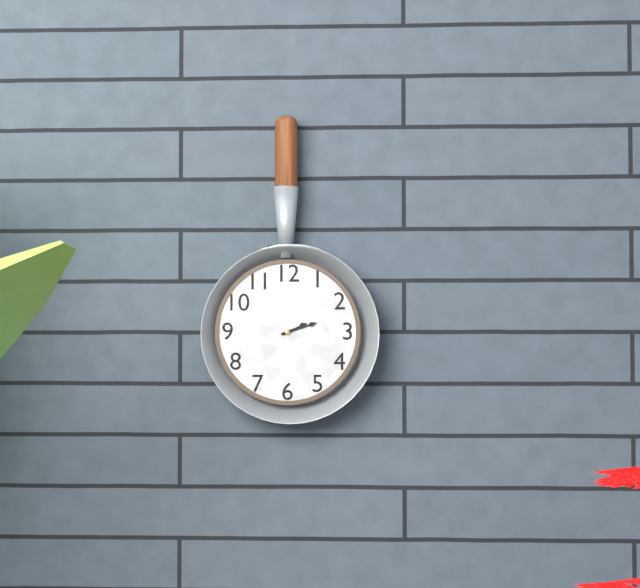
2:12
